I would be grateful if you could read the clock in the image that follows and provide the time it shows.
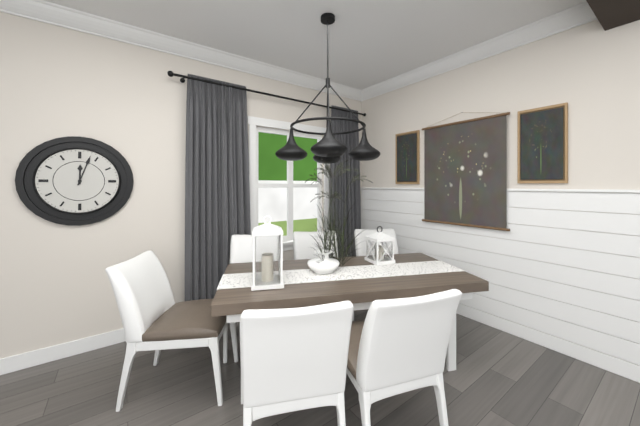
12:03
